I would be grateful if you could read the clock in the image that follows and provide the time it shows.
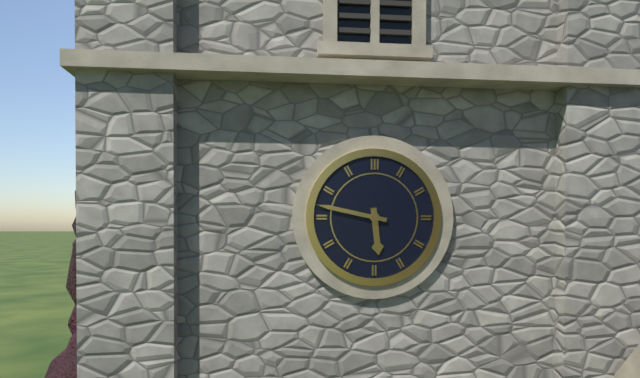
5:47
